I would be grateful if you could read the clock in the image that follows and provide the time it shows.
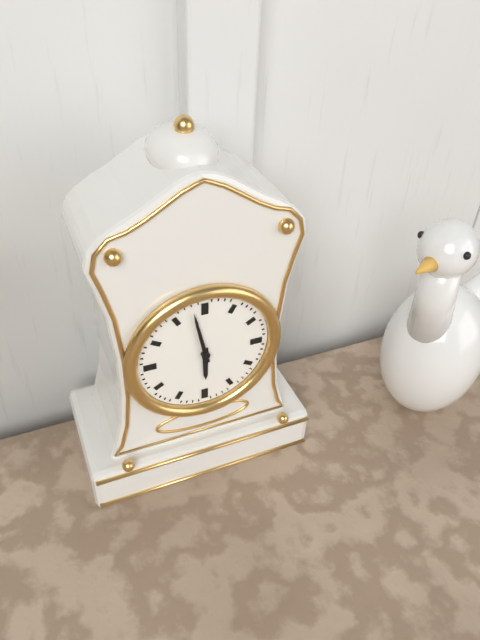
5:58
